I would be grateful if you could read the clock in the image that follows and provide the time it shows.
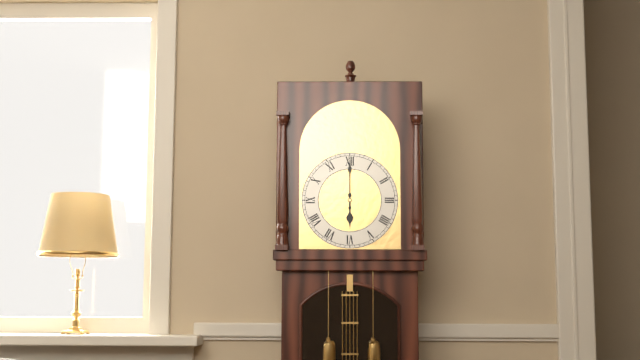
6:00
